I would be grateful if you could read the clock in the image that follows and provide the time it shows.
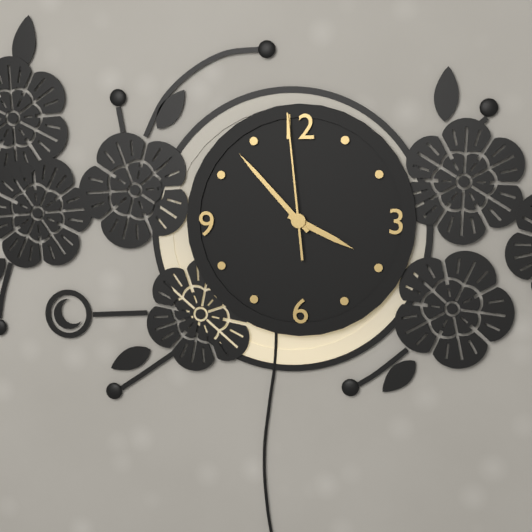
3:53:59
